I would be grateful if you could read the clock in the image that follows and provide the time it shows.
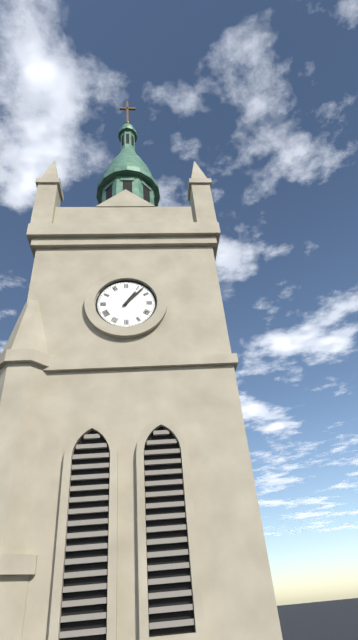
1:07
